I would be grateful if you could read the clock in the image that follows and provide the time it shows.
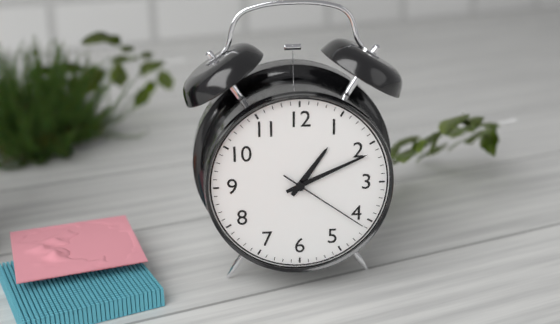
1:11:21
